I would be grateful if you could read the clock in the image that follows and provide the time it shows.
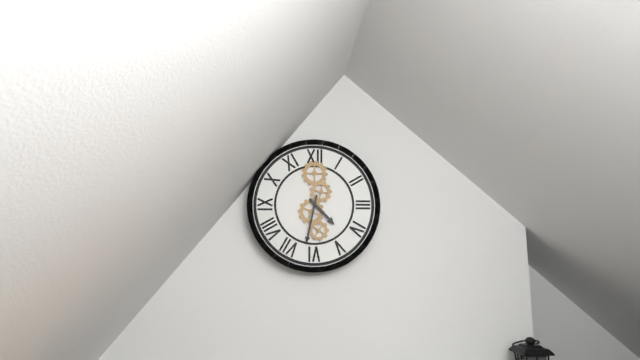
4:32
